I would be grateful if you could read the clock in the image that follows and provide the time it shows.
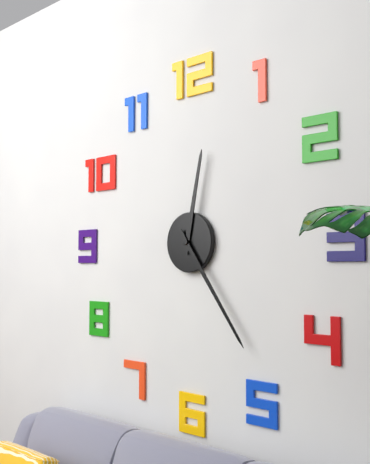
12:24
